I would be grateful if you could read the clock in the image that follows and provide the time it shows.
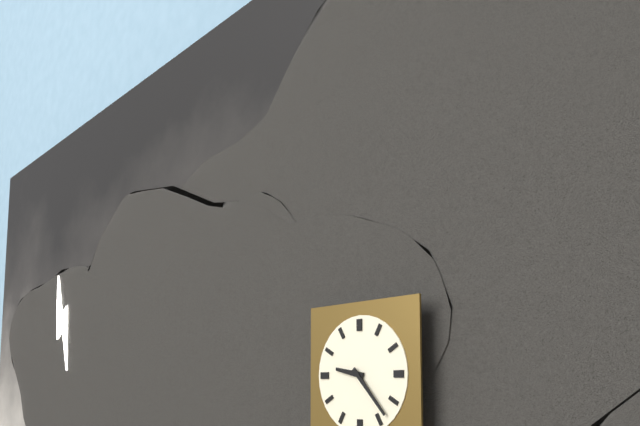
9:23
